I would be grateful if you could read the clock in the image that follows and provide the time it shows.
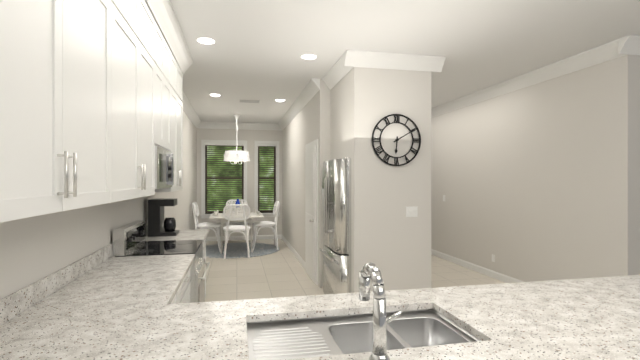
6:10
